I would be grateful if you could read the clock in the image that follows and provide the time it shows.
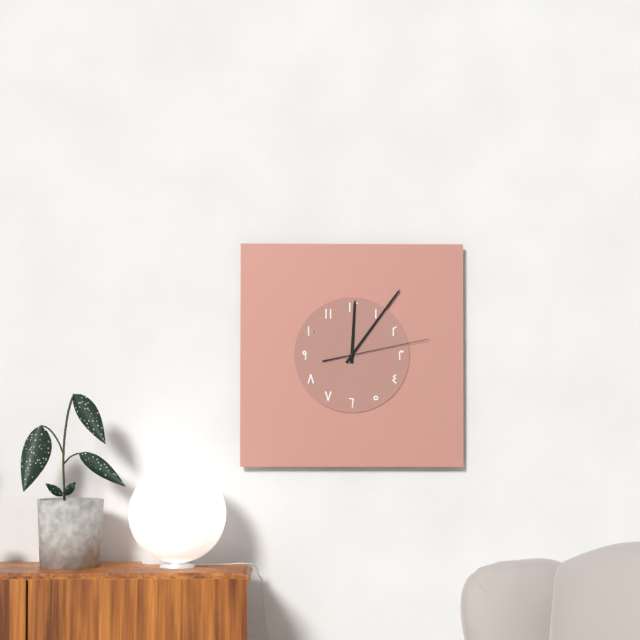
12:06:13
